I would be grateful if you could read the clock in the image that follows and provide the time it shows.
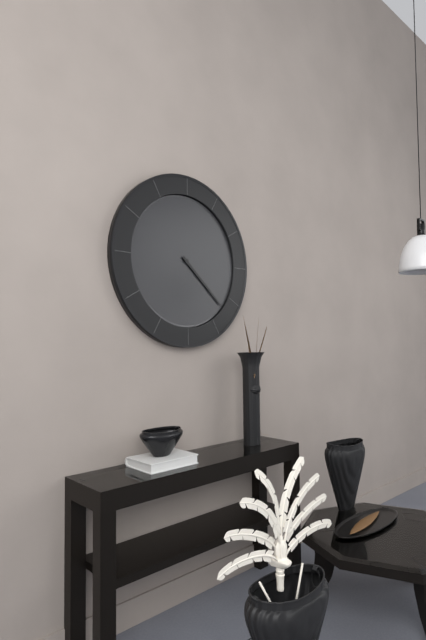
4:22
